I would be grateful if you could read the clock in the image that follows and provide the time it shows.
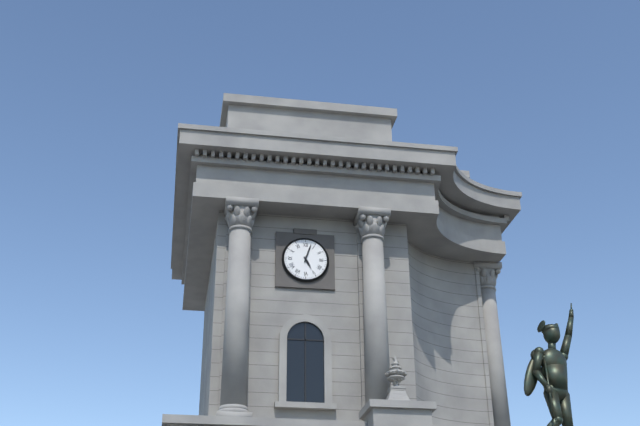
5:03
